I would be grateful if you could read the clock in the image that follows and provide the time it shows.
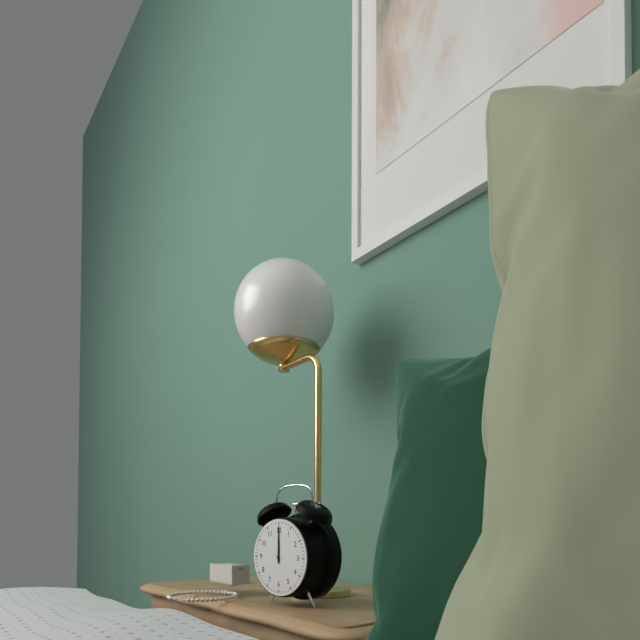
12:00
